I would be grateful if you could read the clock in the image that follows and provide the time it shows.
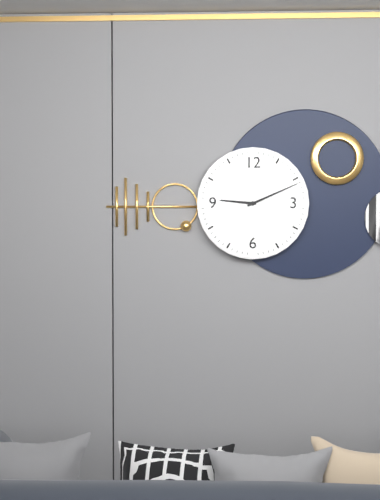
9:11
